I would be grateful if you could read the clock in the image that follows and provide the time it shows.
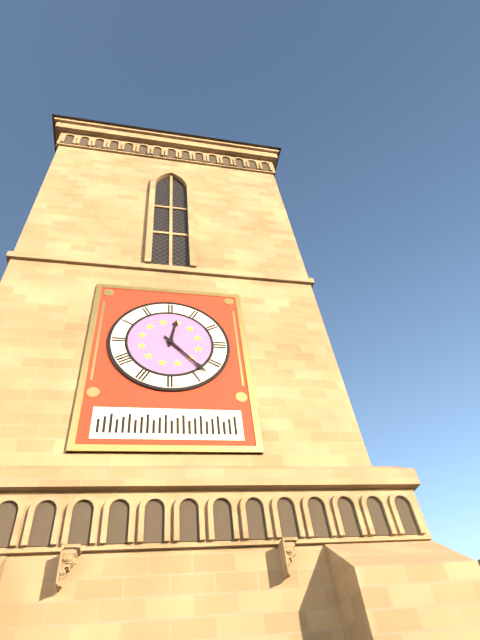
12:23
